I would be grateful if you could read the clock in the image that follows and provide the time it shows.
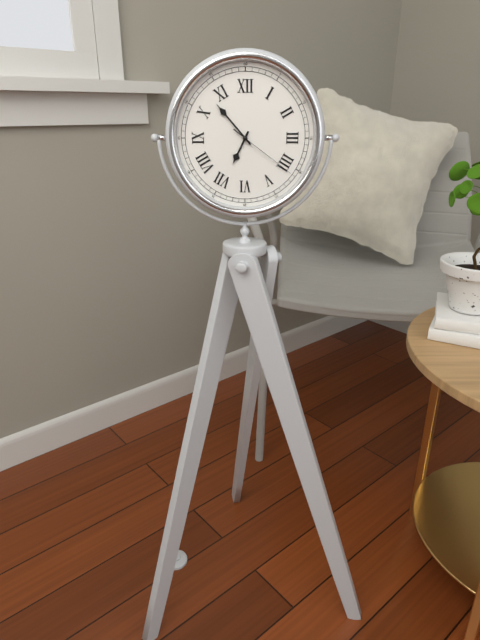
6:53:21
